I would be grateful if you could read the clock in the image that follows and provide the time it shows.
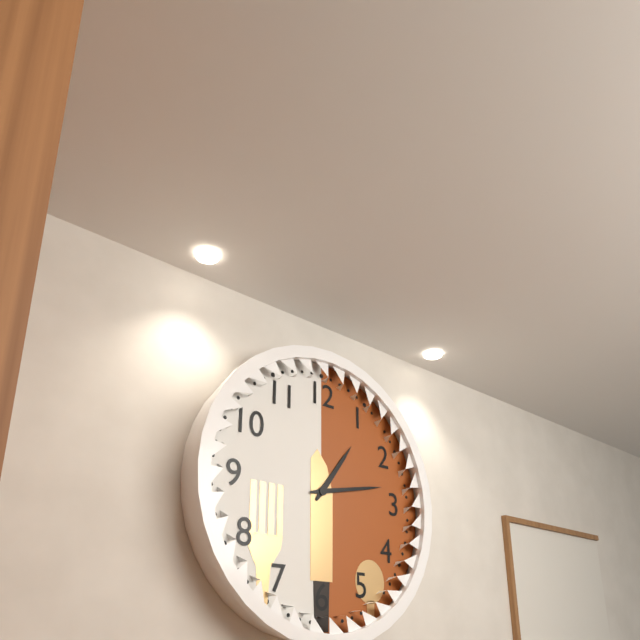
1:13
